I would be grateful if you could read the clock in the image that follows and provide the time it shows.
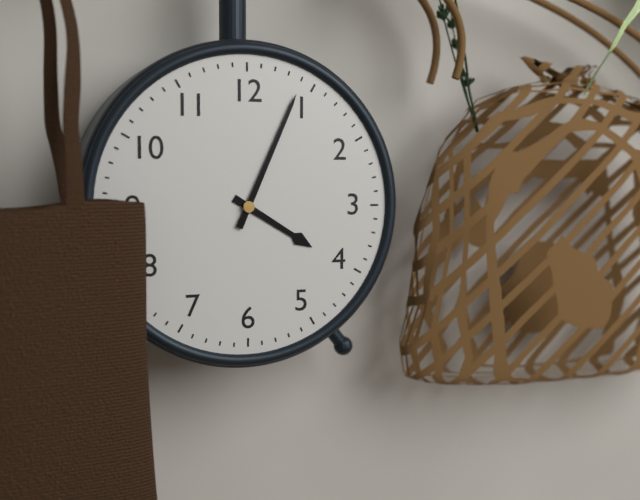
4:04
